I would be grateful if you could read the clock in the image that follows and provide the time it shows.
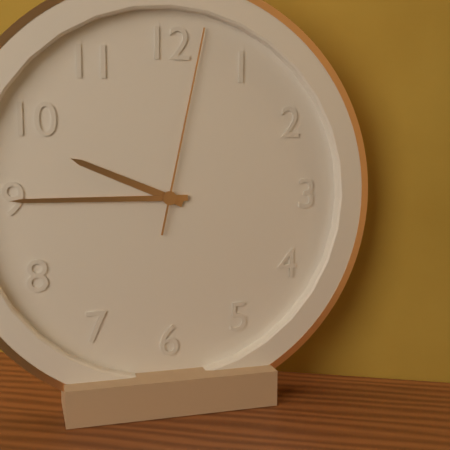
9:45:02
